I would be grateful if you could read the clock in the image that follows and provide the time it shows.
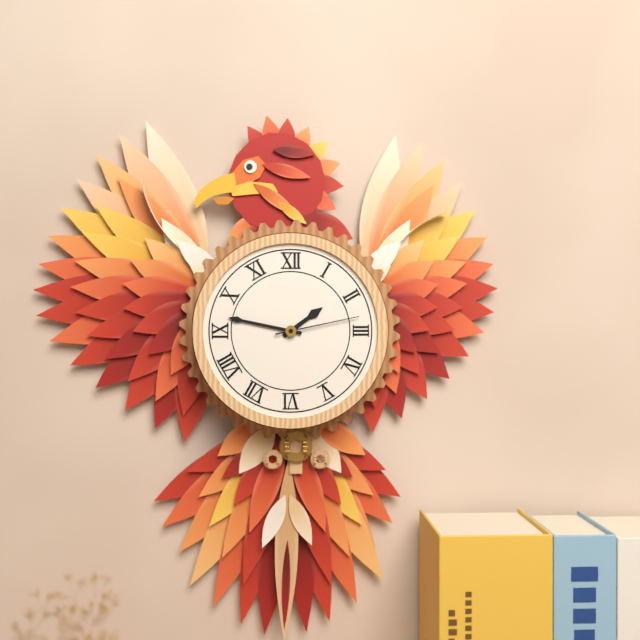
1:47:13
